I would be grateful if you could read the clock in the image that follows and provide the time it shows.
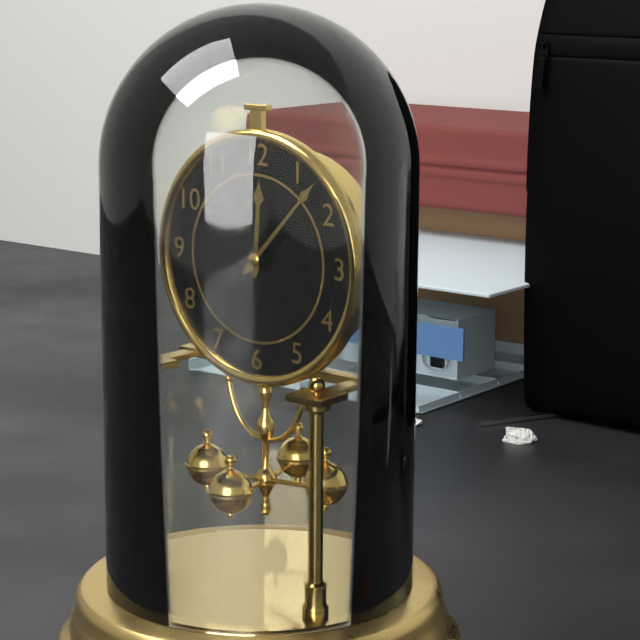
12:07
